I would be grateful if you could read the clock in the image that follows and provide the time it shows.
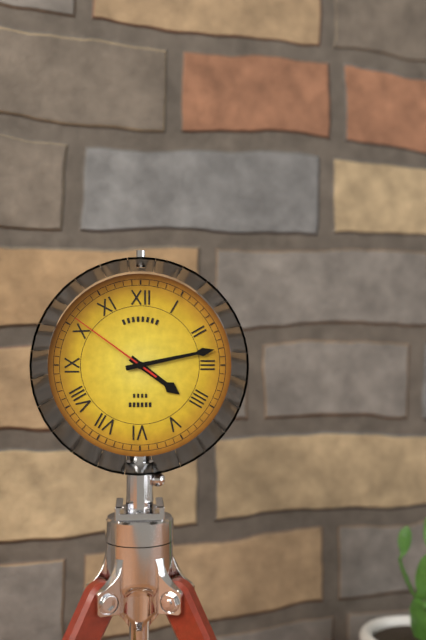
4:13:51
